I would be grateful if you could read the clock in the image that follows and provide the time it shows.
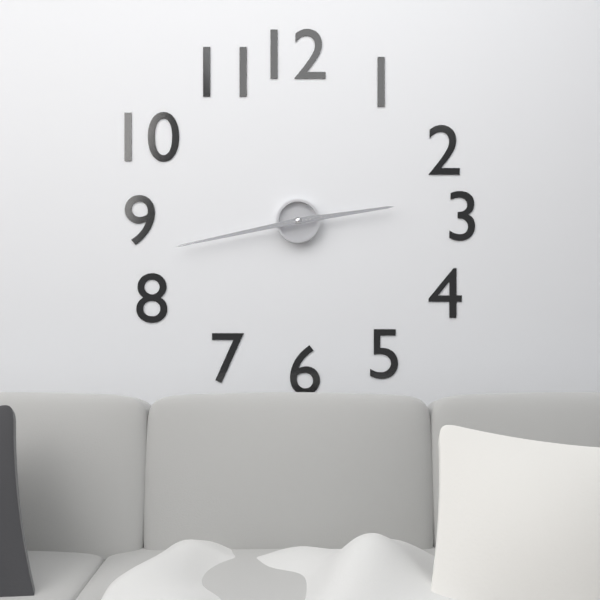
2:43
